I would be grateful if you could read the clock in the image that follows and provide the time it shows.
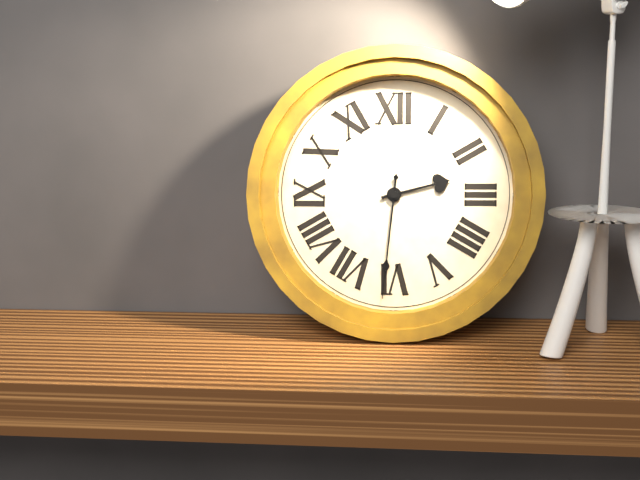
2:31
